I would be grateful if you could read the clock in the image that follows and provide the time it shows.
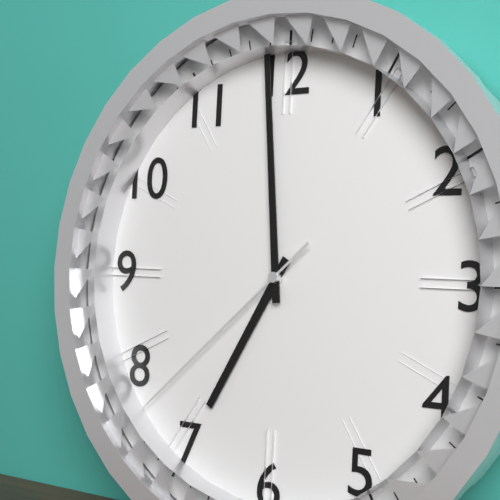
6:59:38
